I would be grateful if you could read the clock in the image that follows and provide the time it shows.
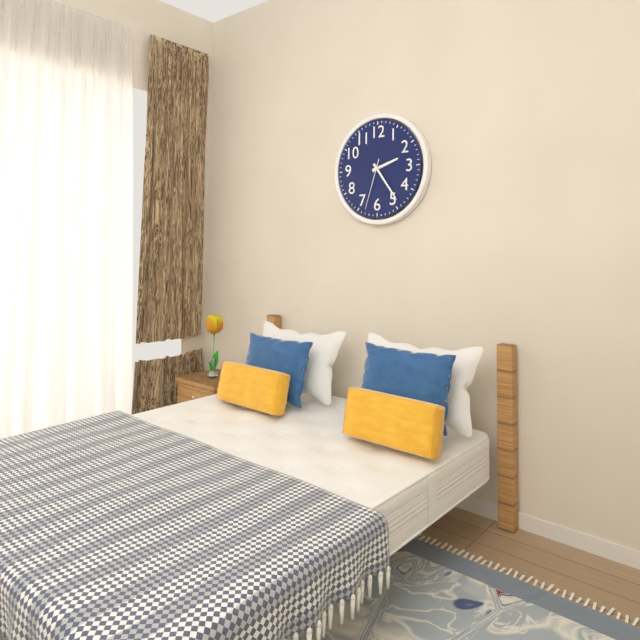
2:24:33
